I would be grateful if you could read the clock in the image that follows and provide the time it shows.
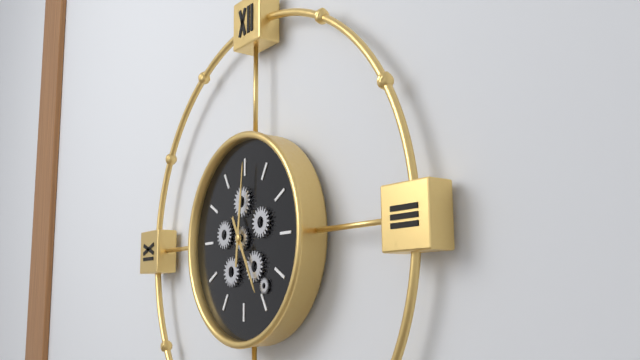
5:01
